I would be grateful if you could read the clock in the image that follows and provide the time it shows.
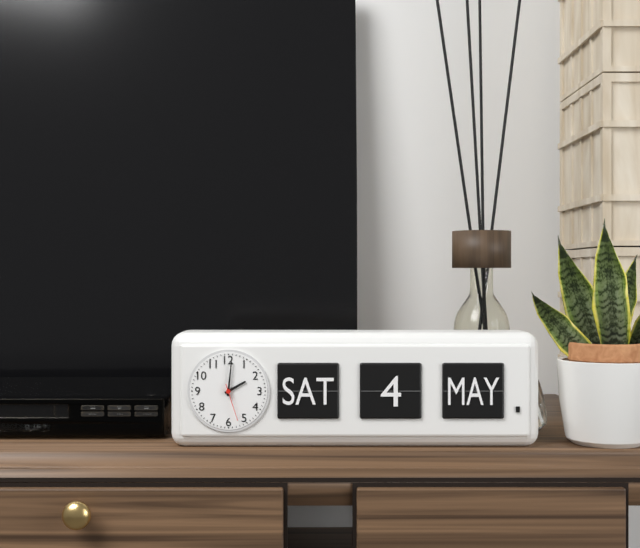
2:01
